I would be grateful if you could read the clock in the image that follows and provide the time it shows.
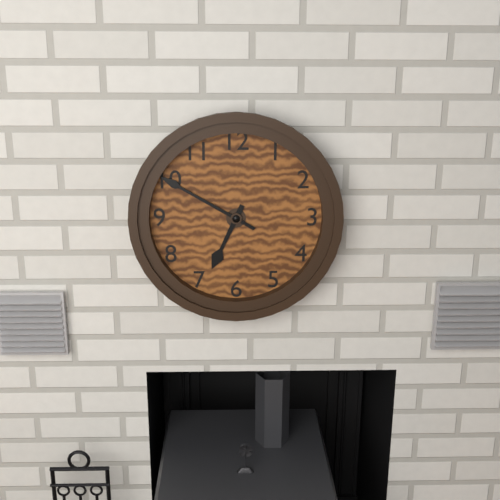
6:50
